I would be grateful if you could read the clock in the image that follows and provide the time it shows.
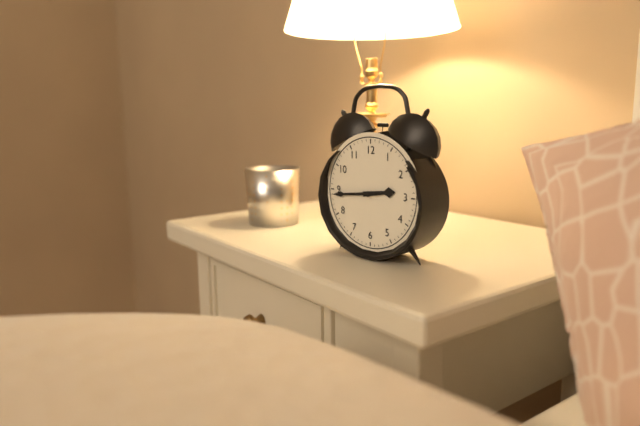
2:44
